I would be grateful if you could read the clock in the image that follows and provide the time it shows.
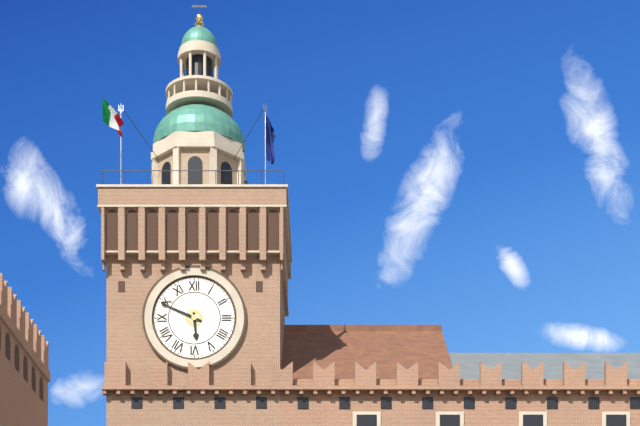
5:49
